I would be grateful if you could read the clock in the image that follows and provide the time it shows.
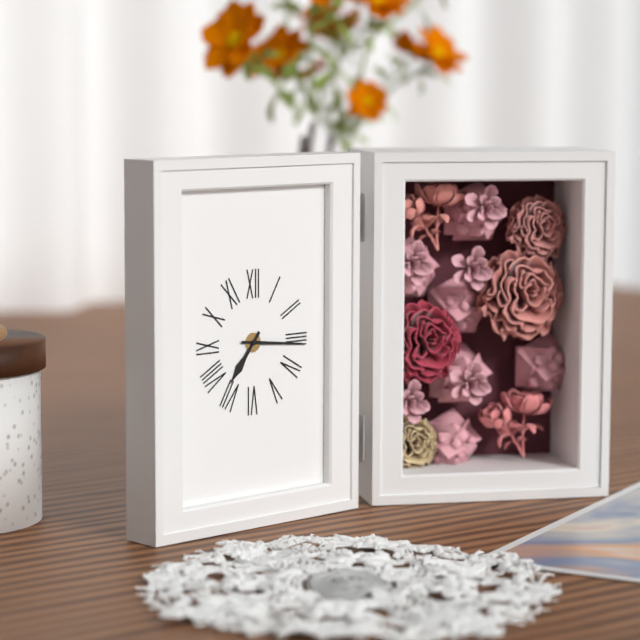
7:16
